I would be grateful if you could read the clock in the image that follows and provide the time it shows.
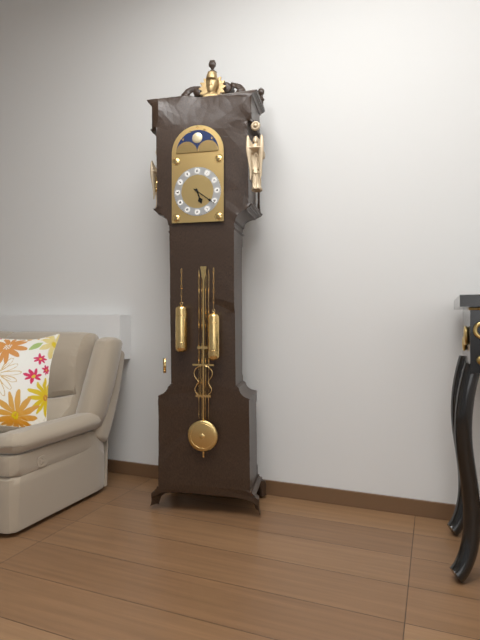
5:21
